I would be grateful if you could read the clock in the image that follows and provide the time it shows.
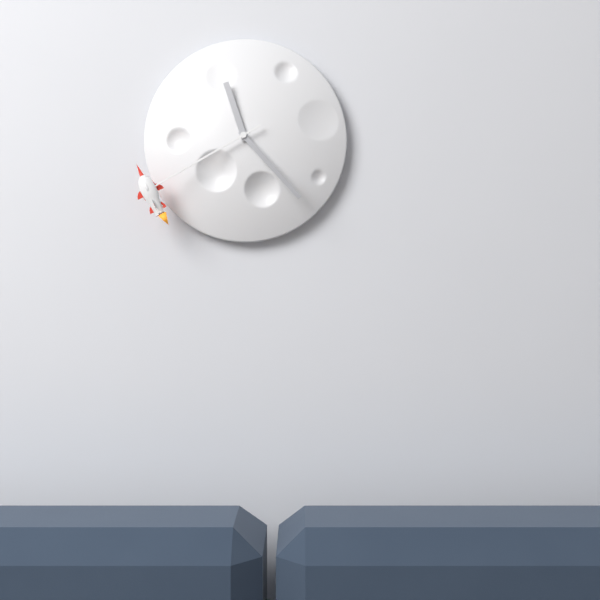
11:23:40
